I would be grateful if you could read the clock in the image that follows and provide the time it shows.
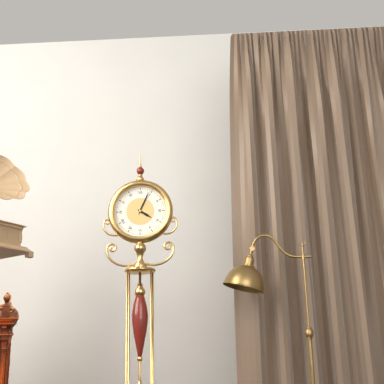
4:04
